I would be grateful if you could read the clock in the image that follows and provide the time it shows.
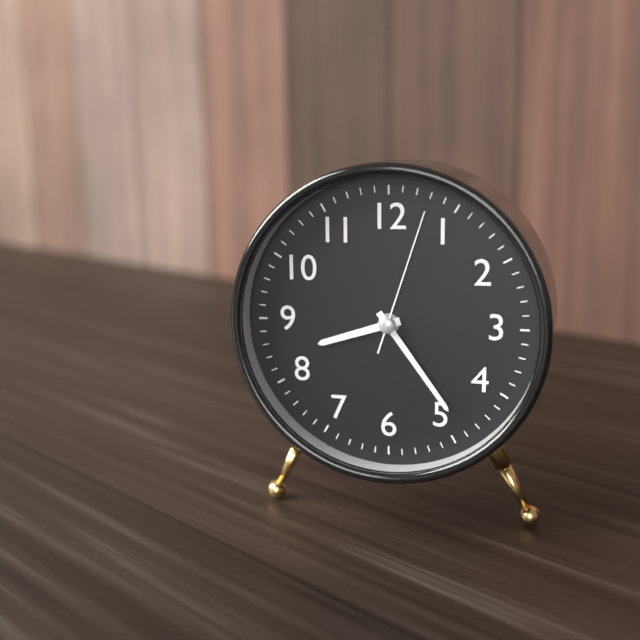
8:24:03
